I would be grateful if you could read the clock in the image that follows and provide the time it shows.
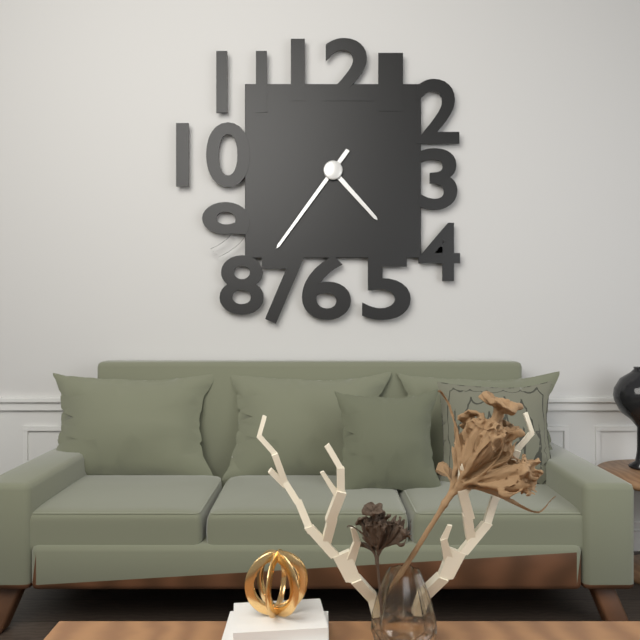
4:36
